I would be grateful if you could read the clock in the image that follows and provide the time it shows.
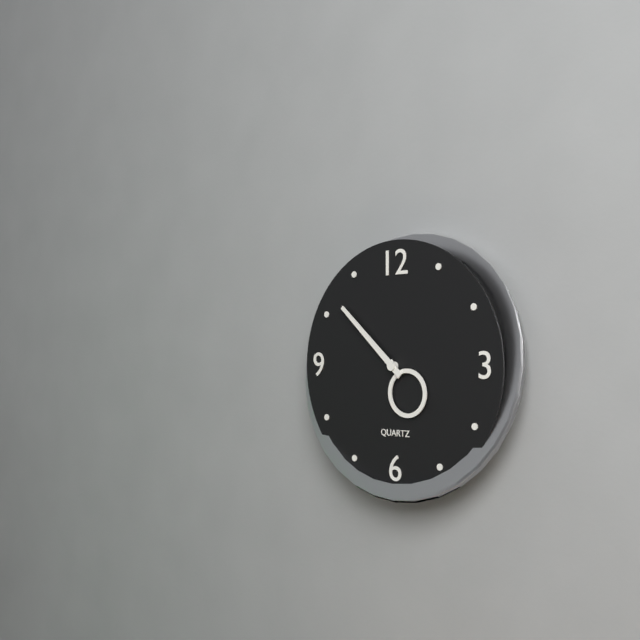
4:52
